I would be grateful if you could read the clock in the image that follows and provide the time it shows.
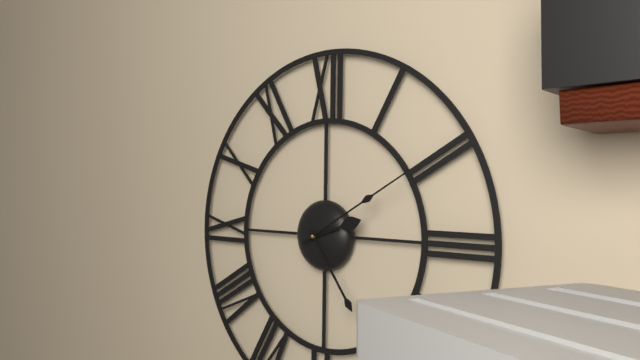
2:24:10
